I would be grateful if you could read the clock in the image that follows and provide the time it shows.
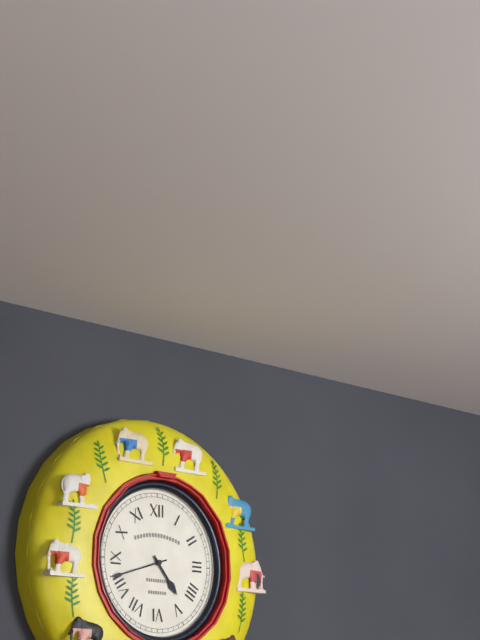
4:42
